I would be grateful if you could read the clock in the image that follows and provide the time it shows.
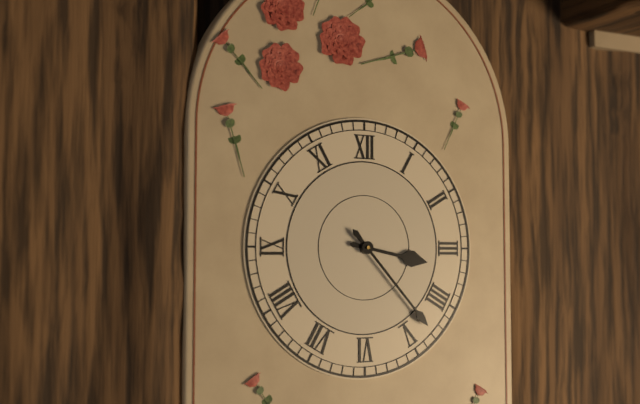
3:23
